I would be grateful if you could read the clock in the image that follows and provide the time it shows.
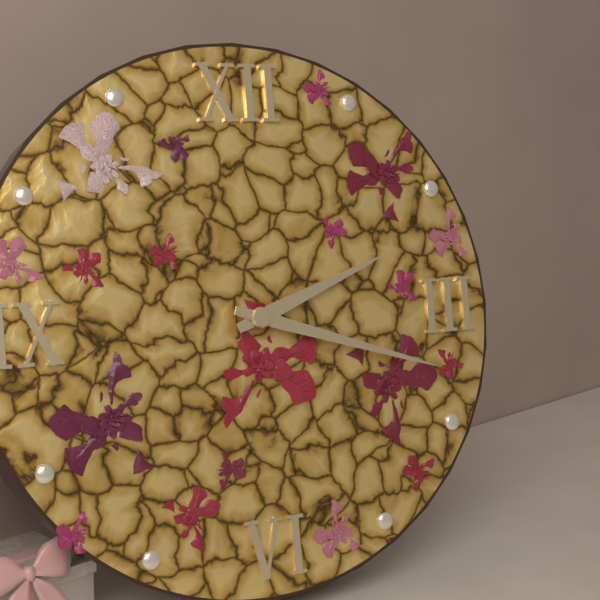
2:18
